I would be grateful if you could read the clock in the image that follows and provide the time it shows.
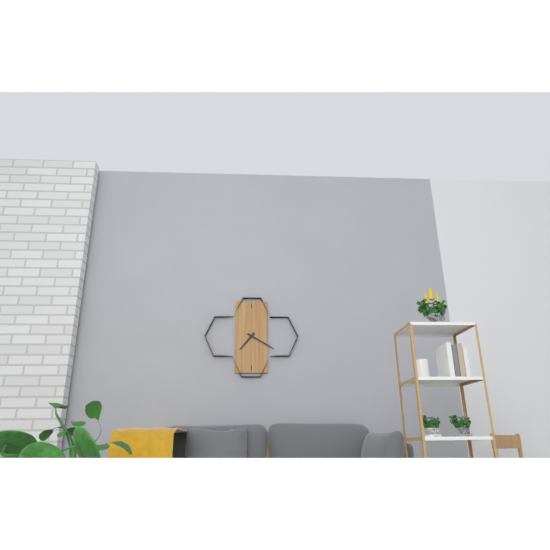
7:20
